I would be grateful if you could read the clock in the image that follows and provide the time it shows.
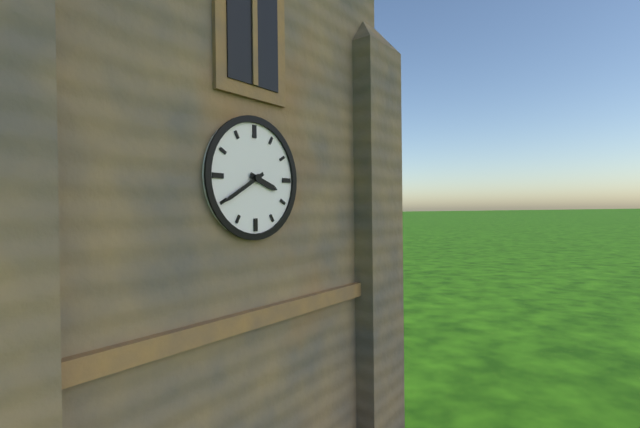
3:40
